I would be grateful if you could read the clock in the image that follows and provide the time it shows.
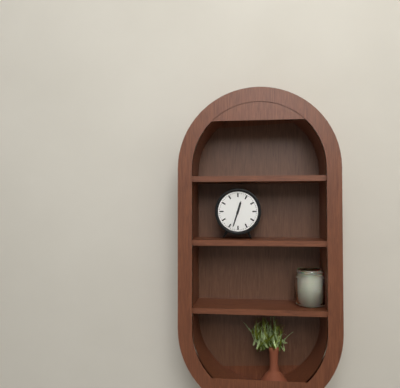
12:33
